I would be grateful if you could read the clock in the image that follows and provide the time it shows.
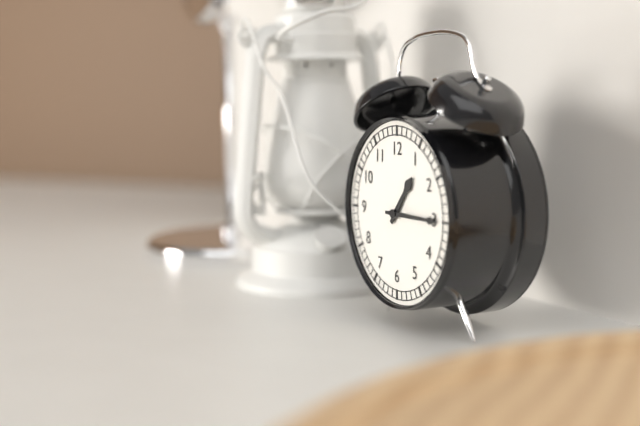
1:15
